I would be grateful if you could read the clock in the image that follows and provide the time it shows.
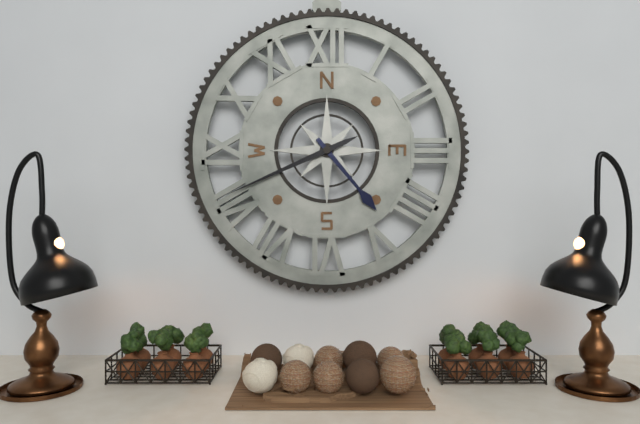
4:41
